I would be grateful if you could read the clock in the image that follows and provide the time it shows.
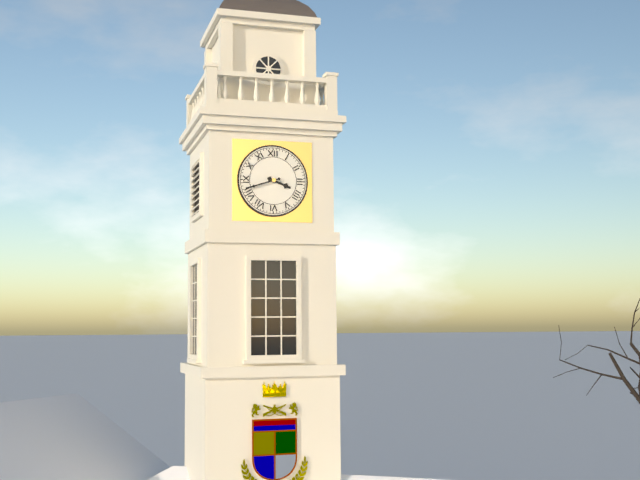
3:42
